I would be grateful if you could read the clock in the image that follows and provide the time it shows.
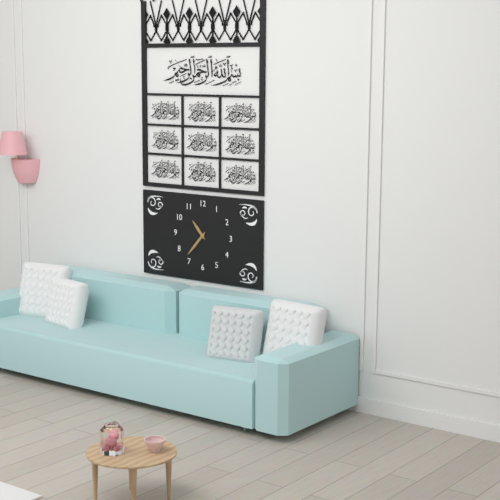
10:37
